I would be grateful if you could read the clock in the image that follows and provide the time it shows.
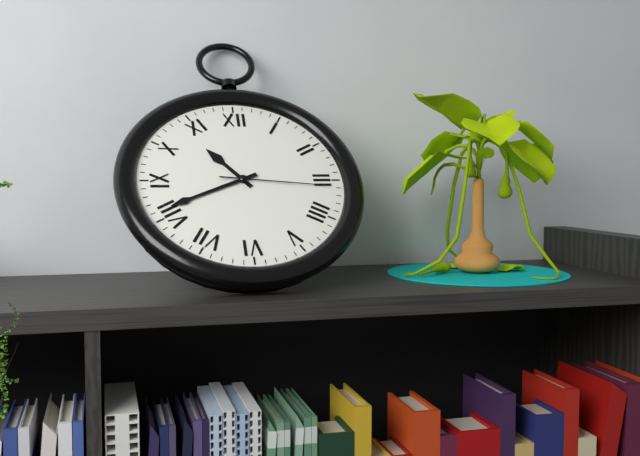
10:41:16
